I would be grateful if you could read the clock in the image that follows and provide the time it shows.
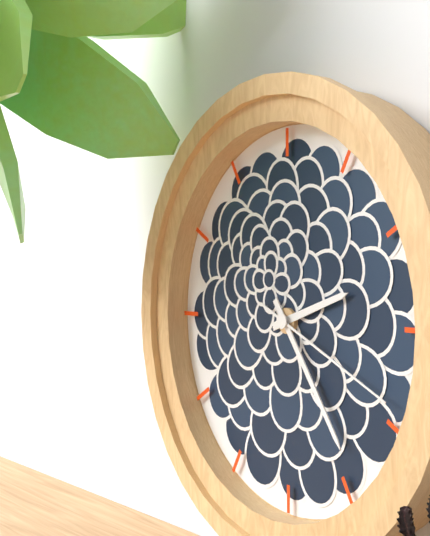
2:24:19
